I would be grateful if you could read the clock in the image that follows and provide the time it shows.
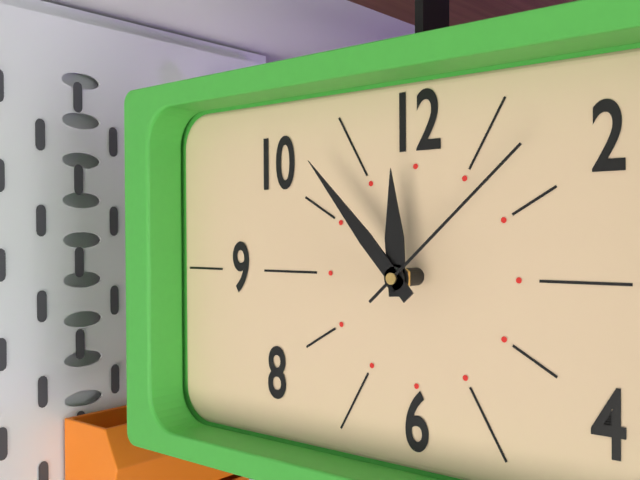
11:53:08
